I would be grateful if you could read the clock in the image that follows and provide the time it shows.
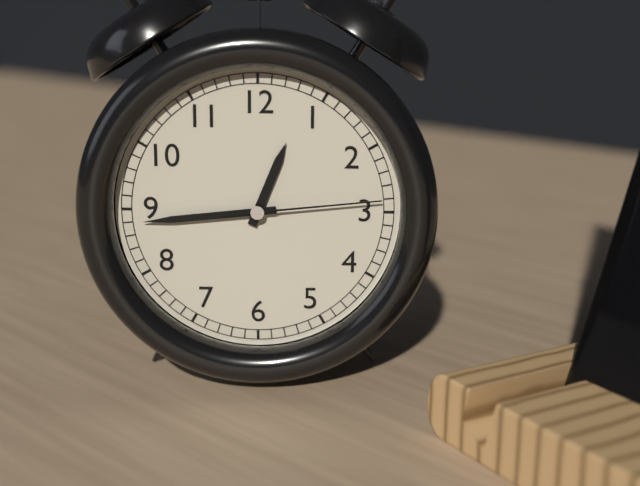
12:44:14
